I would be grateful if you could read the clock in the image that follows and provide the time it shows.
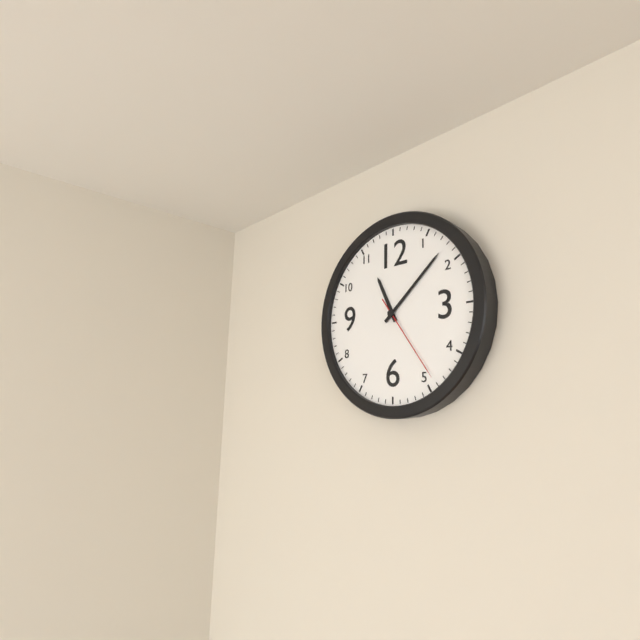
11:08:24
